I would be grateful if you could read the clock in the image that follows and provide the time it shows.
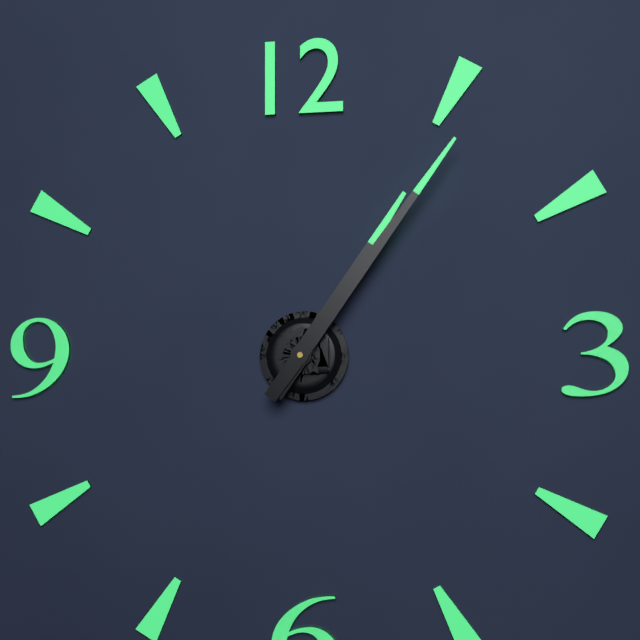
1:06
